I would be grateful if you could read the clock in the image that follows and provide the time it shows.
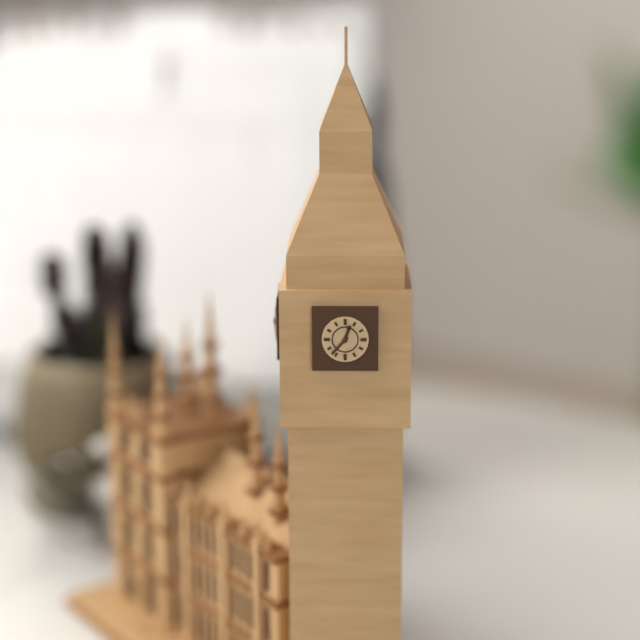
12:37
